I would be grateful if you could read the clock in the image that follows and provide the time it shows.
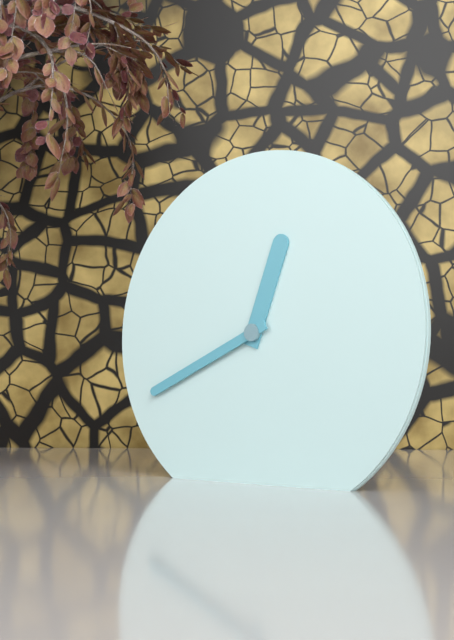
12:41
